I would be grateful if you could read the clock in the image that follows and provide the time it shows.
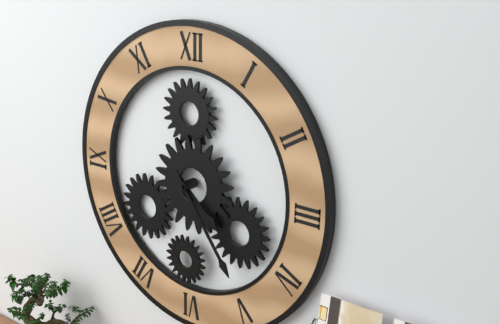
4:24
